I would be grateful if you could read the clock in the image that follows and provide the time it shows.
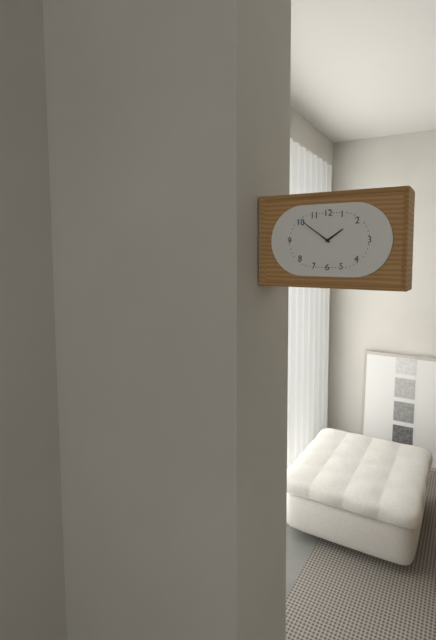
1:51
